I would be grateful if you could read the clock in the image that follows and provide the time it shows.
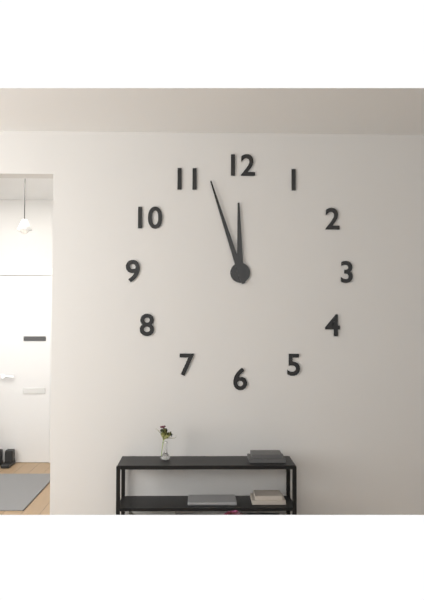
11:57
